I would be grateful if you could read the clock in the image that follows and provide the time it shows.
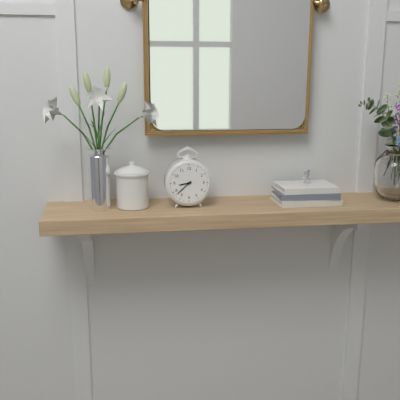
8:38
